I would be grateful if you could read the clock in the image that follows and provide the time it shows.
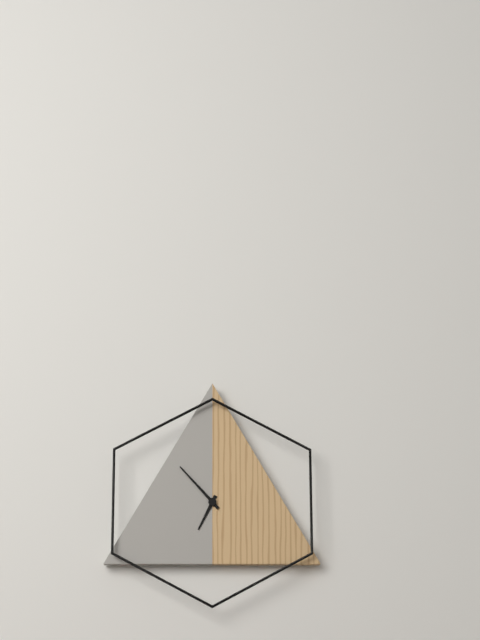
6:53
